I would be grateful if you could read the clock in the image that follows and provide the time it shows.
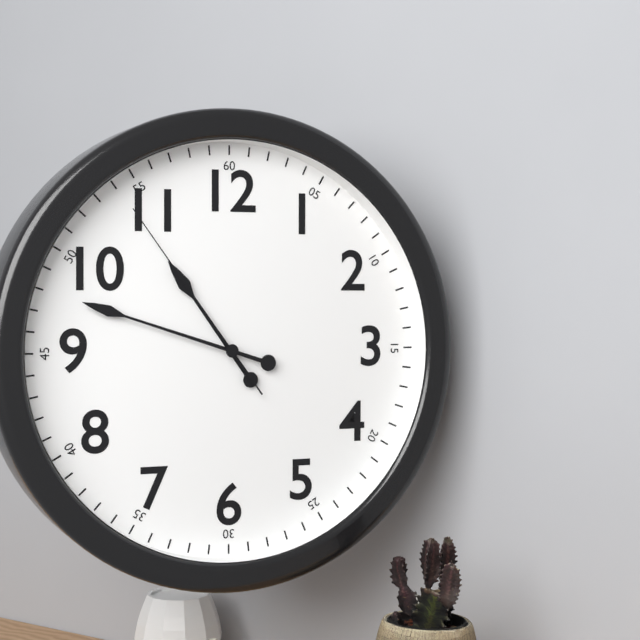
10:48:54
